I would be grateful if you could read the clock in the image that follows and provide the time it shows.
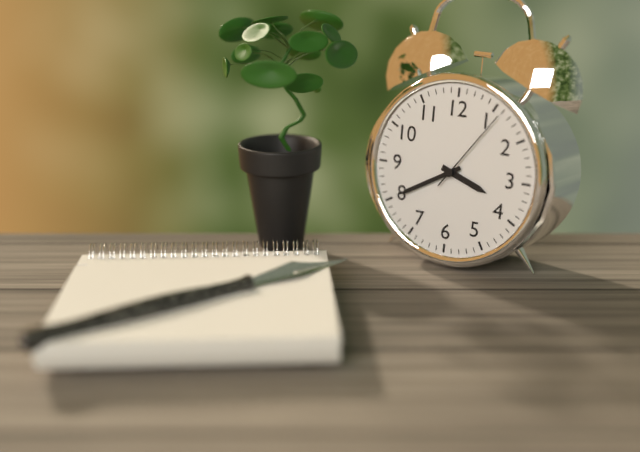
3:40:06
